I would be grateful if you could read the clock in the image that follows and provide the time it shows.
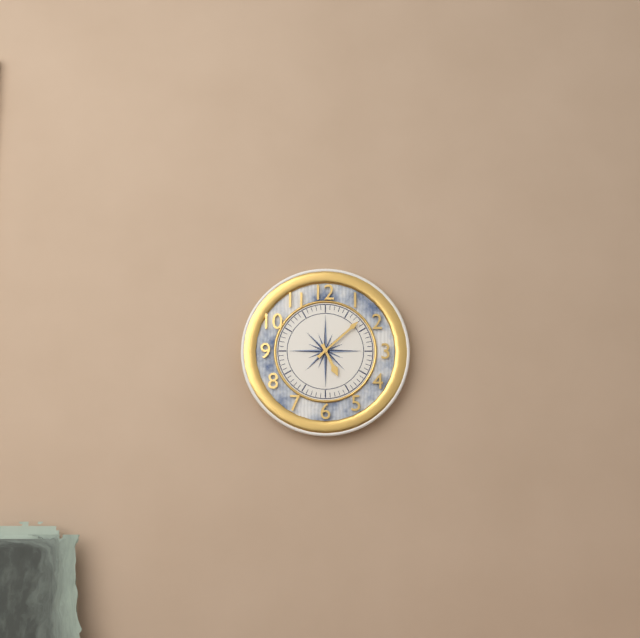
5:08
